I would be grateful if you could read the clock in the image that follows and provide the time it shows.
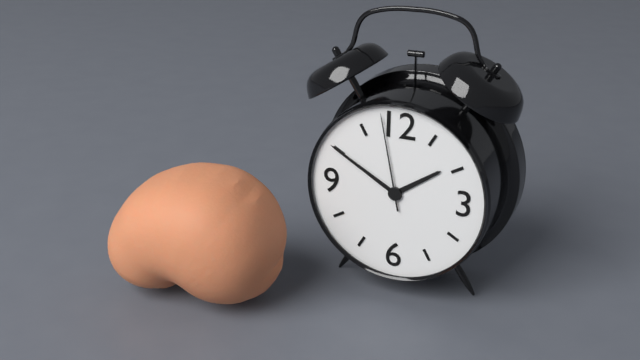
1:50:58
